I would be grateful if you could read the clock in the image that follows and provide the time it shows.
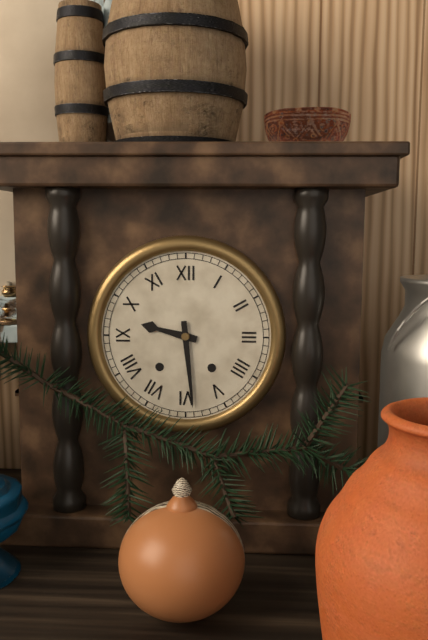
9:29
